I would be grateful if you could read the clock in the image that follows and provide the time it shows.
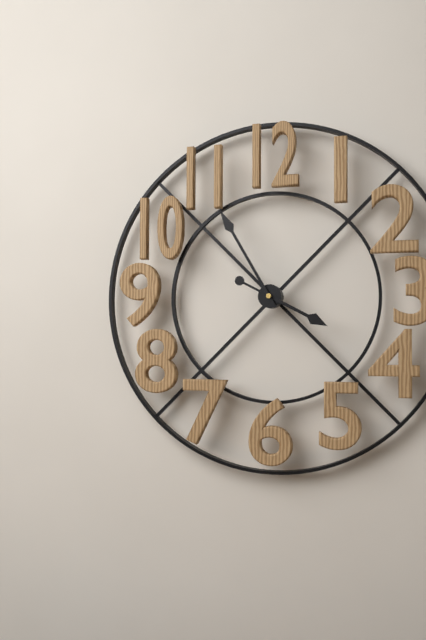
3:55
